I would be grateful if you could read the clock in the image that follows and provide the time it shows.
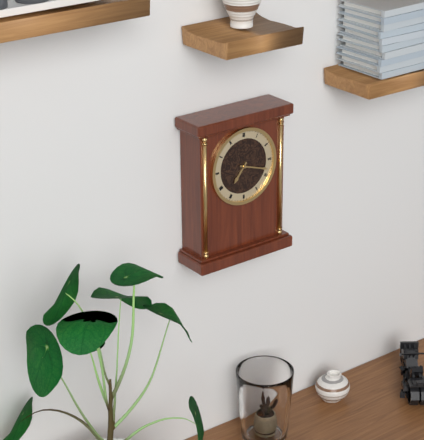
7:18
